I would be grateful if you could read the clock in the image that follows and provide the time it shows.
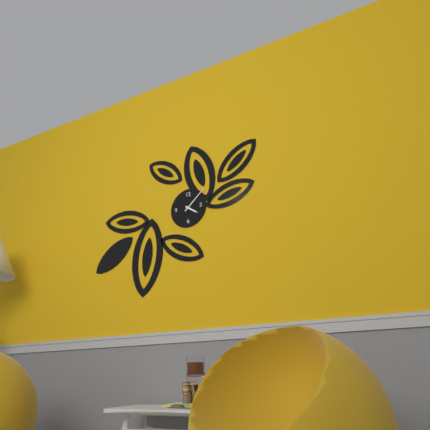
4:08
